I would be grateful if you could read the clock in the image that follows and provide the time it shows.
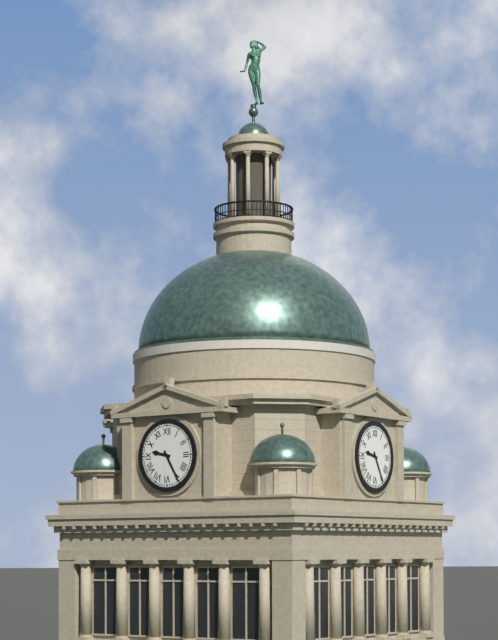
9:25
